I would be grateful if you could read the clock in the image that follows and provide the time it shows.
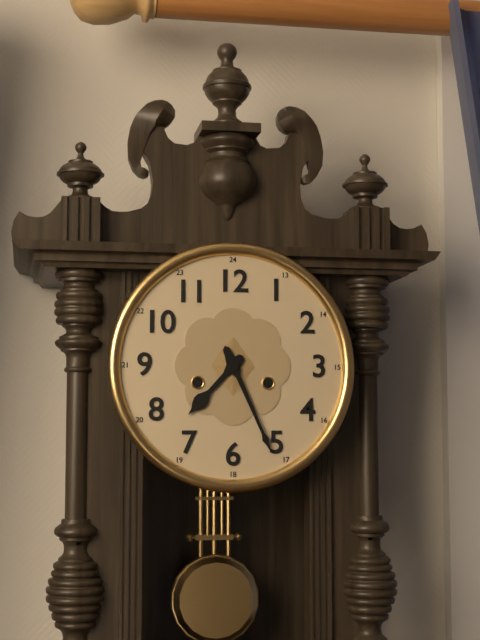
7:26
